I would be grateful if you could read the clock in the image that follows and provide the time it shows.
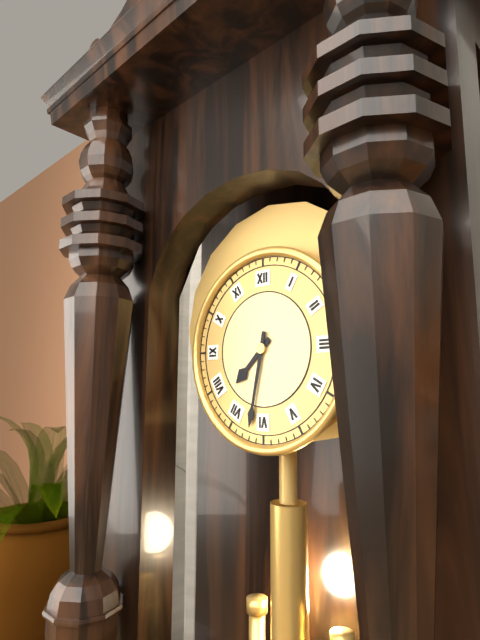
7:32
